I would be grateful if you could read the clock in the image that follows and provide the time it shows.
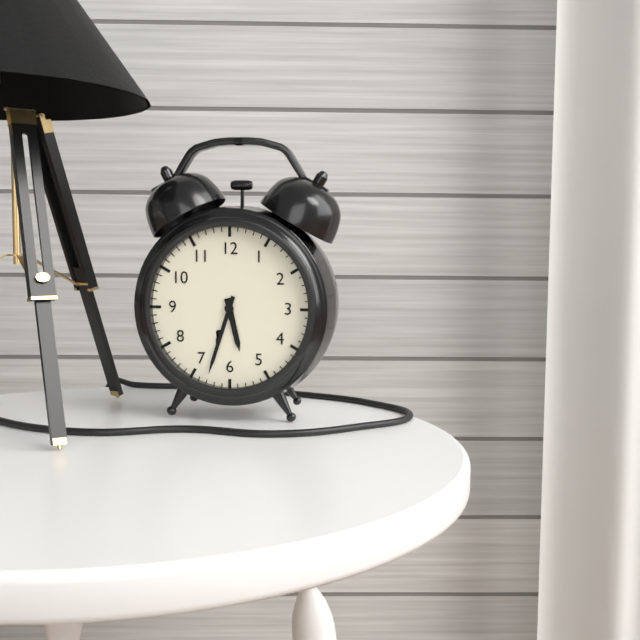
5:33
